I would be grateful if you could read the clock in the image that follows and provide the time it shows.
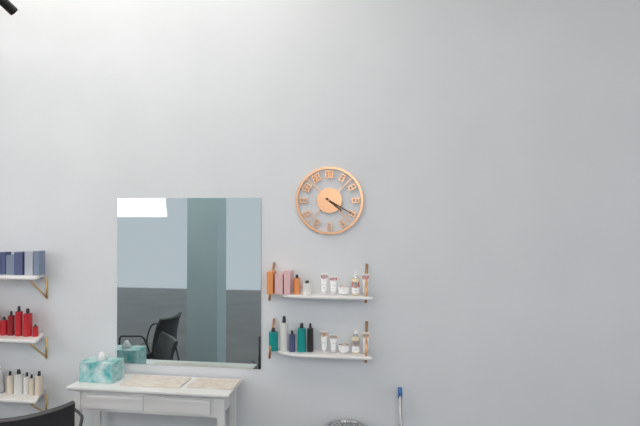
4:20
